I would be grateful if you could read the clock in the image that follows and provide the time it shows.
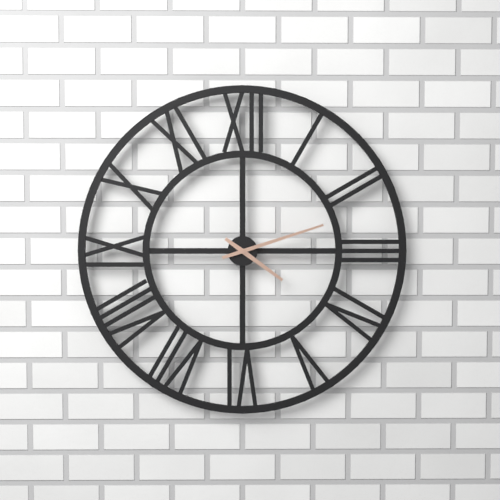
4:12
